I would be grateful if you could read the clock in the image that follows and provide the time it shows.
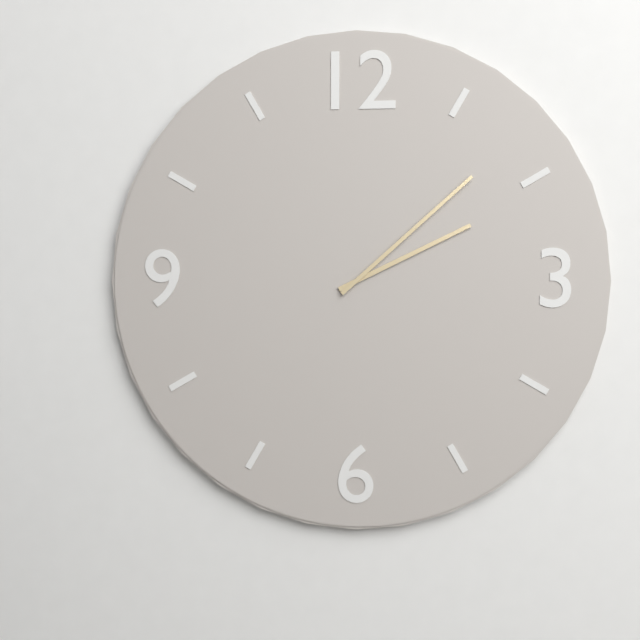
2:08
